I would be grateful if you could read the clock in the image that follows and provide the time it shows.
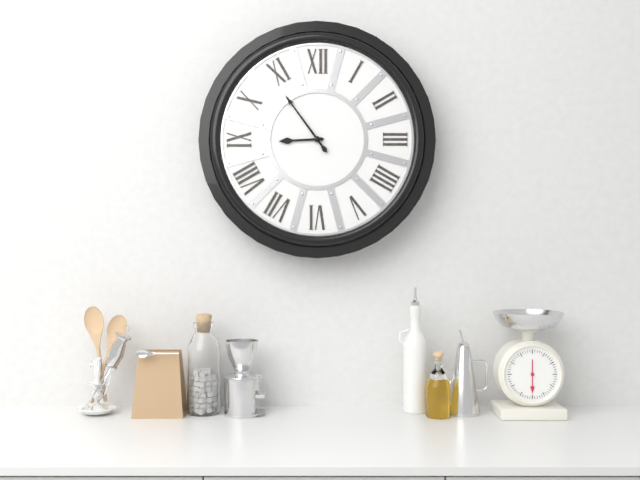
8:54
